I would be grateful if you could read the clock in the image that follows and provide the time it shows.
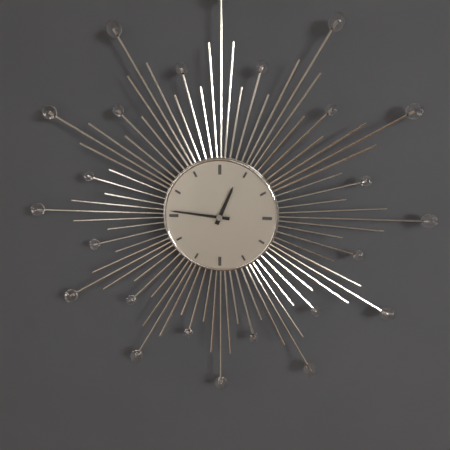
12:46
